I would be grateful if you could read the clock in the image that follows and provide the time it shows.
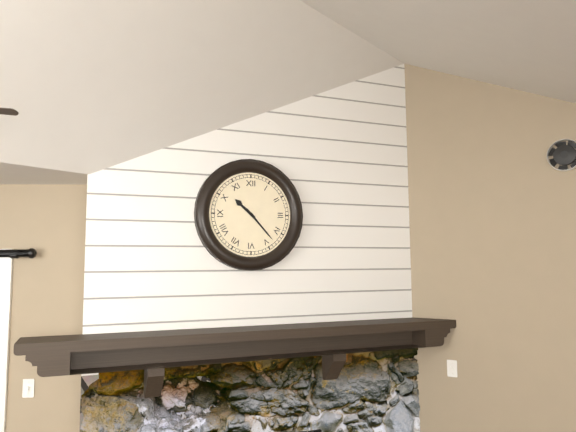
10:23
